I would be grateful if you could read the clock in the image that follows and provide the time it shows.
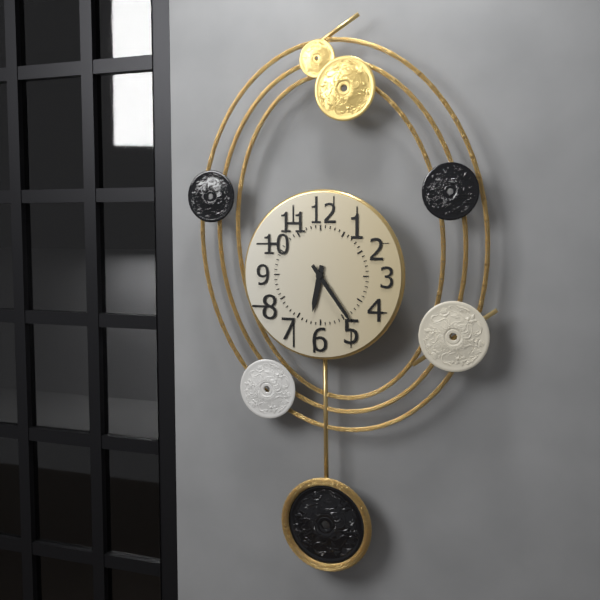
6:24
